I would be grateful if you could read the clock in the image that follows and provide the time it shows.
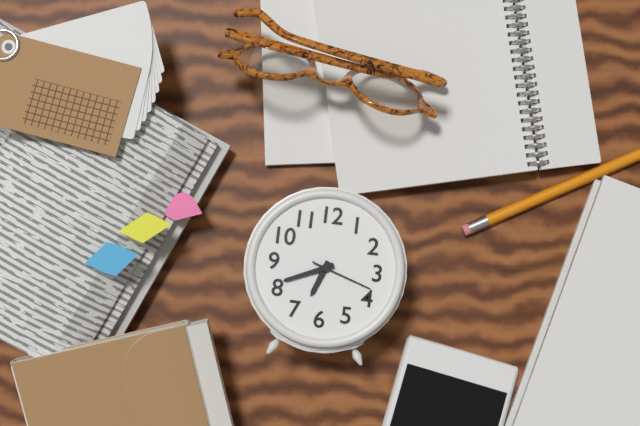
6:41:18
